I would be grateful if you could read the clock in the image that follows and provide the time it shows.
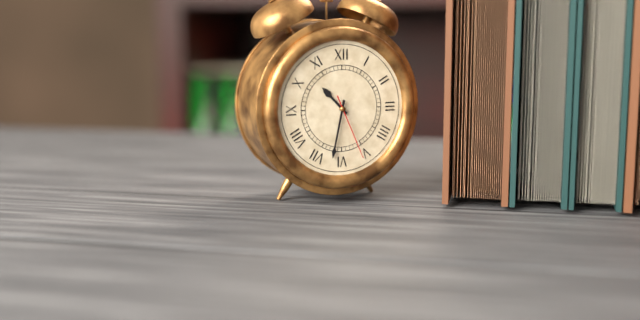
10:32:26
